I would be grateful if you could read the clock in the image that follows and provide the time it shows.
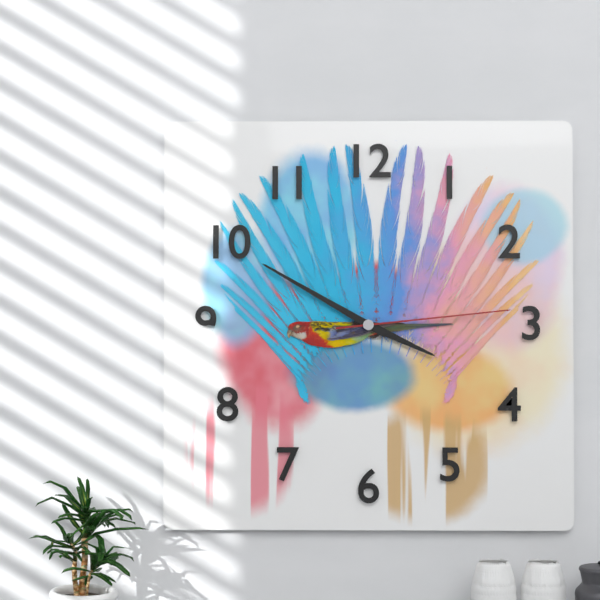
3:50:14
